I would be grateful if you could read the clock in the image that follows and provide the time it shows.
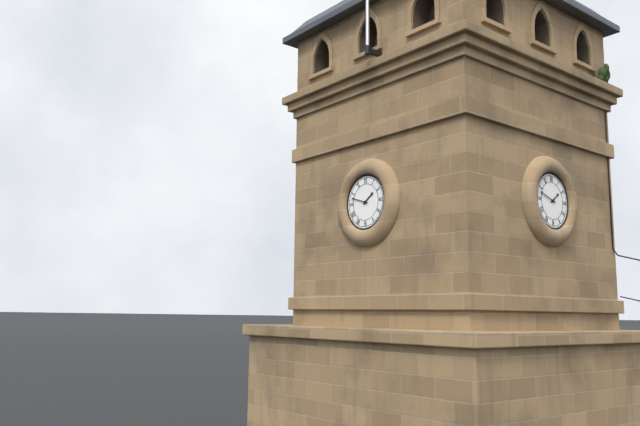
1:48
